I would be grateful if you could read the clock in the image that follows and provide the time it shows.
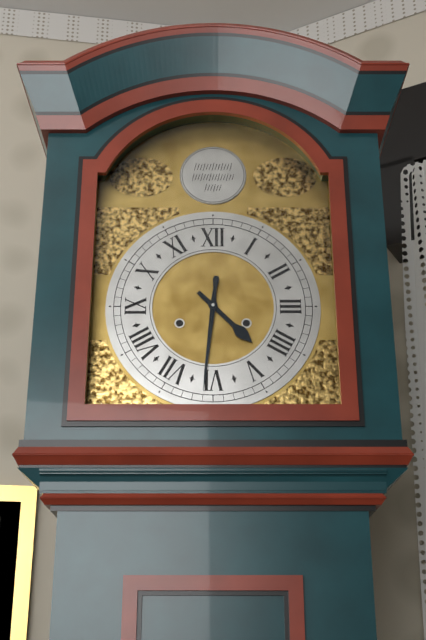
4:31
